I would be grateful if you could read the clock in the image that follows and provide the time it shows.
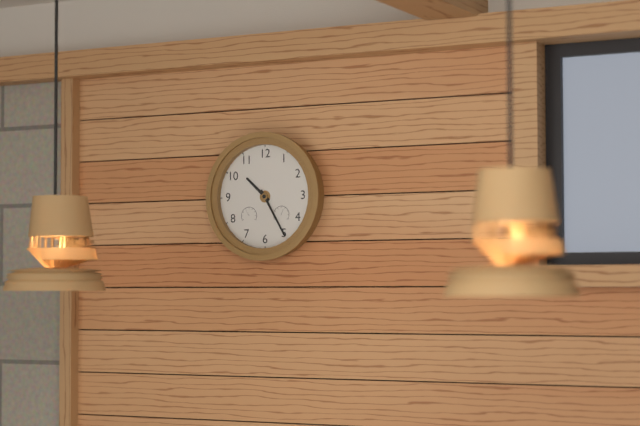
10:25
